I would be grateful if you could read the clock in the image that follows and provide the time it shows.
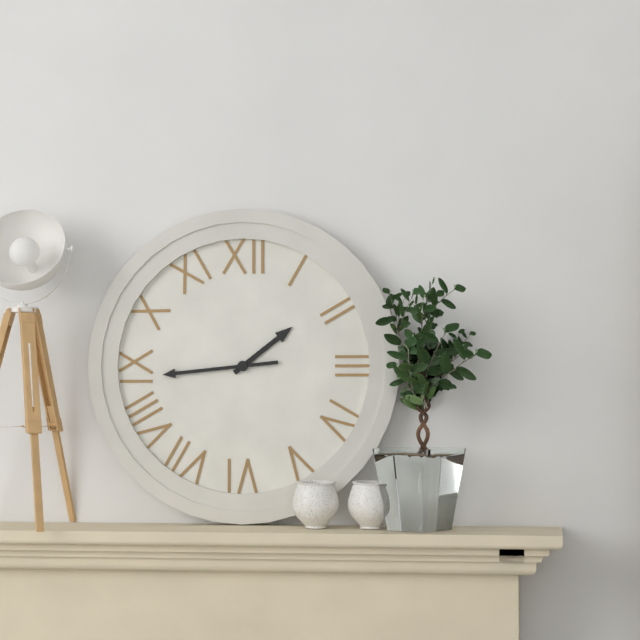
1:44
